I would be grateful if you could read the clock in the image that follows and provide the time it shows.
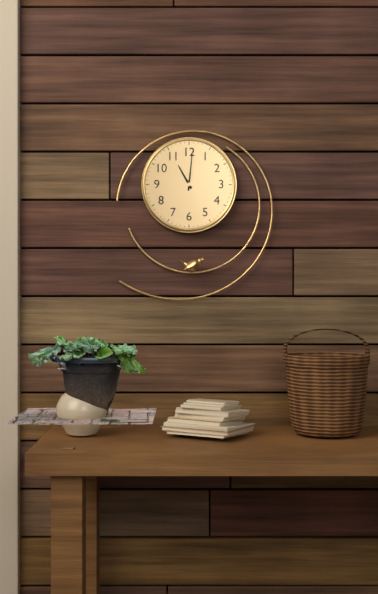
11:01
